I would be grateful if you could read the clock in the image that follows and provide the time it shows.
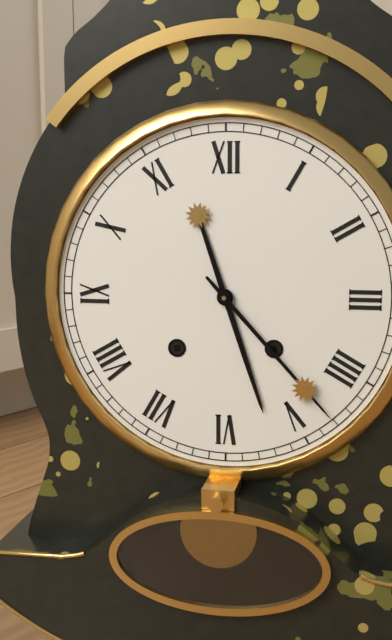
5:23
